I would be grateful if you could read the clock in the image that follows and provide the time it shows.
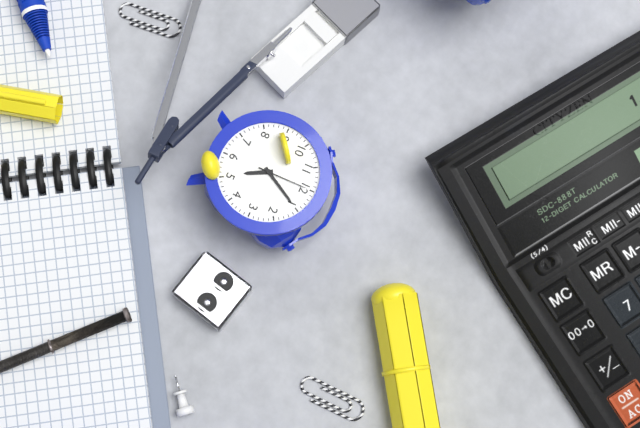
5:05:00
